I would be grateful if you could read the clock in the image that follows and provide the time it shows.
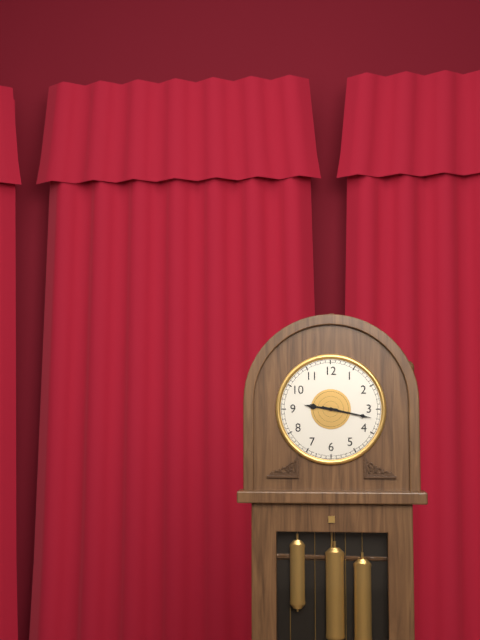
9:17
